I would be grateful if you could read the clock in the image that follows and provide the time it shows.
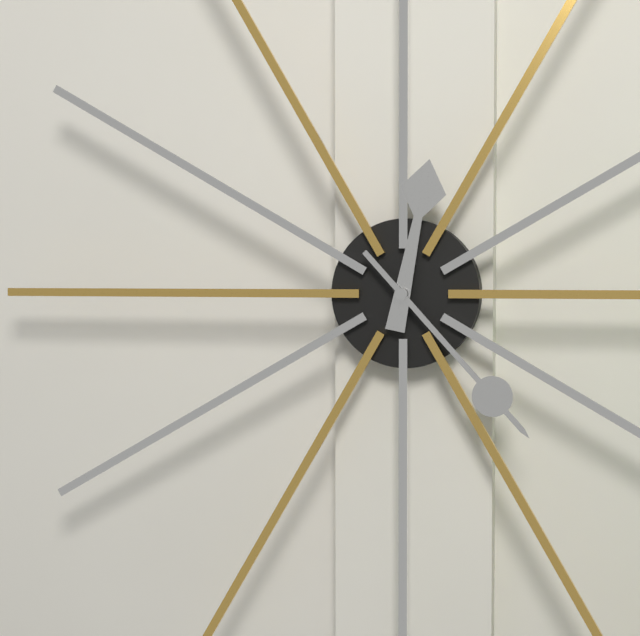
12:23
